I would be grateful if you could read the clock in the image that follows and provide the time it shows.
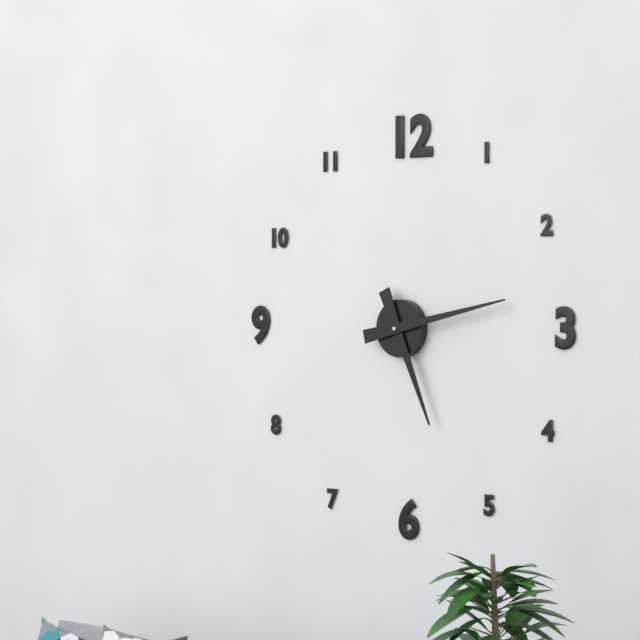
5:13
